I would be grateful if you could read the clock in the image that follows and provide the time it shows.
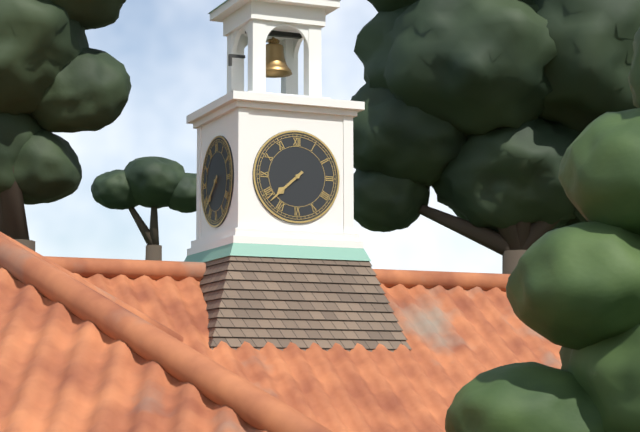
7:38
